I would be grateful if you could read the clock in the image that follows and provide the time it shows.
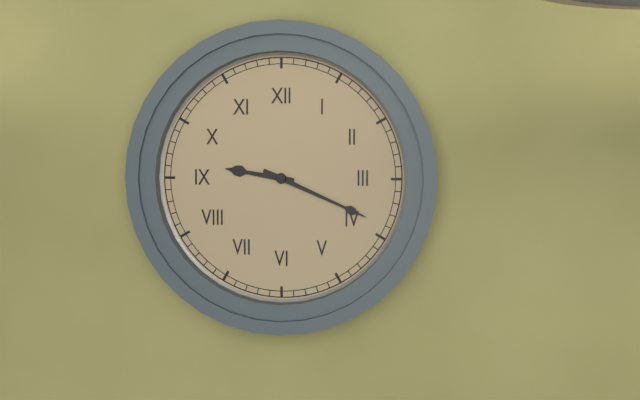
9:19
